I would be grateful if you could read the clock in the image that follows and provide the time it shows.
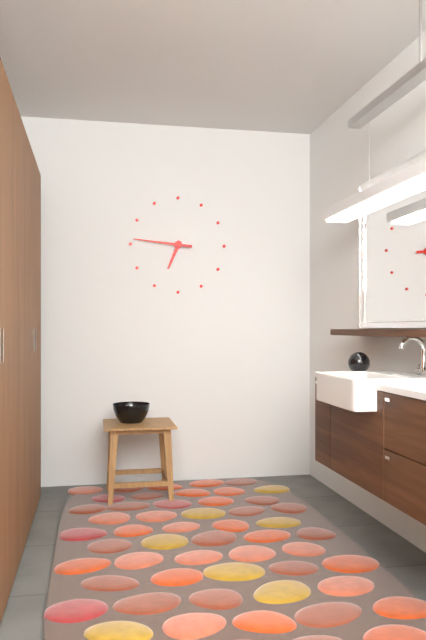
6:46
